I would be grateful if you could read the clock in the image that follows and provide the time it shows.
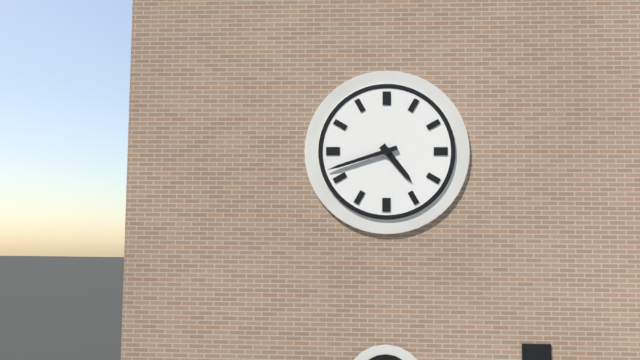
4:42
